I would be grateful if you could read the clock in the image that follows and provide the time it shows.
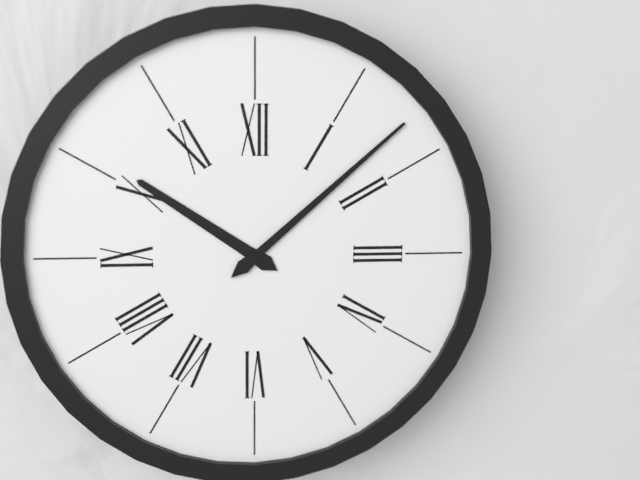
10:08
